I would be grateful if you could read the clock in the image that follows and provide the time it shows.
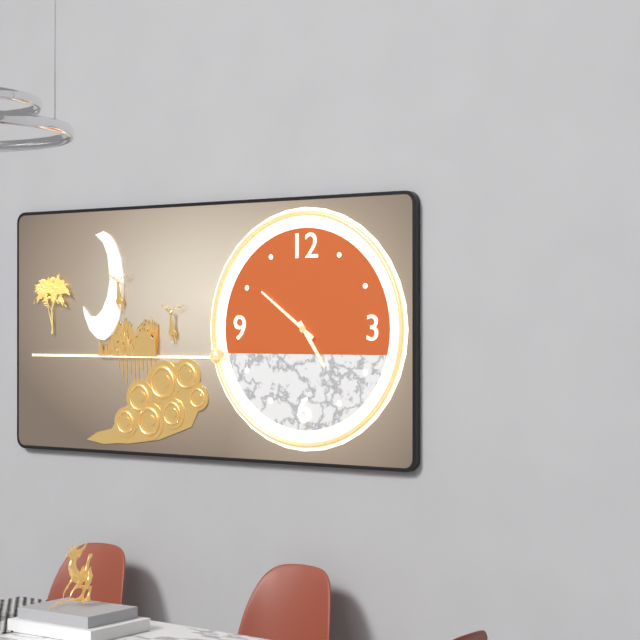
4:51
